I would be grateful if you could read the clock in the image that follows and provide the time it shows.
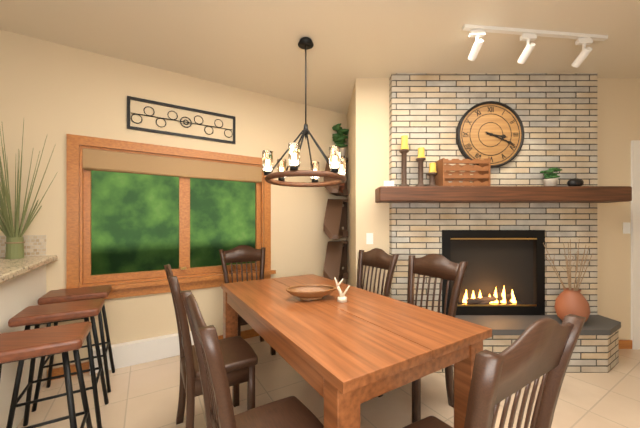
3:19
